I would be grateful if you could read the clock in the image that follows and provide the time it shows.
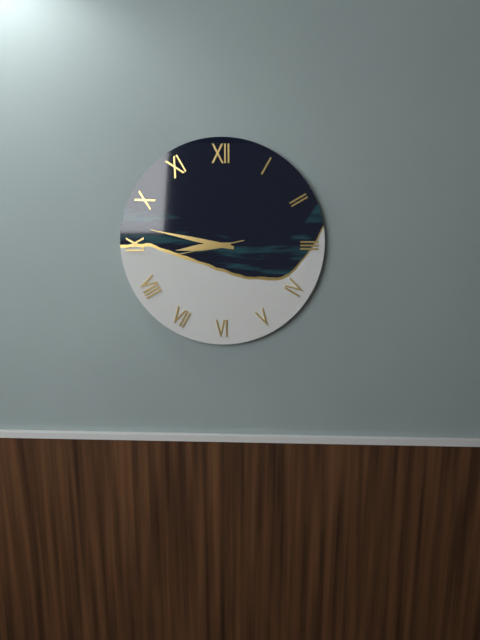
8:47:43
